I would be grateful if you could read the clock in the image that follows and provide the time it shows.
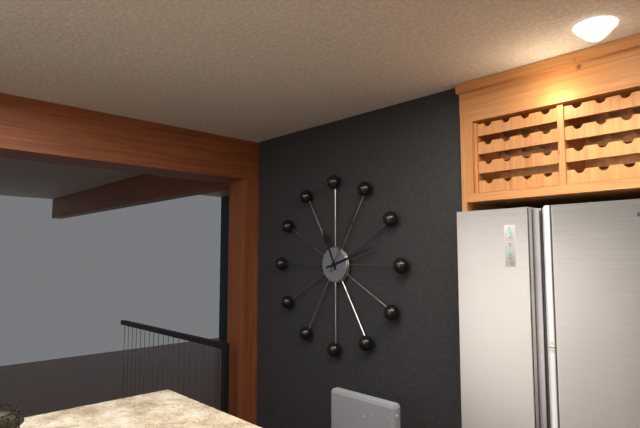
11:12:05
